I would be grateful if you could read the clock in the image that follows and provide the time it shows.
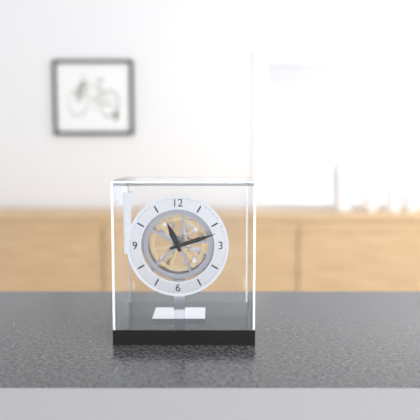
11:12
